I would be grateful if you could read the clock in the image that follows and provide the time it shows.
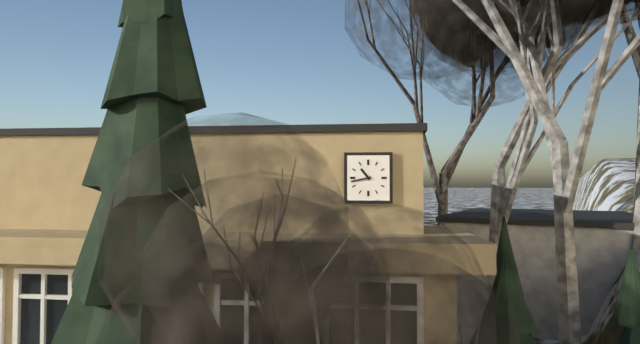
10:43
